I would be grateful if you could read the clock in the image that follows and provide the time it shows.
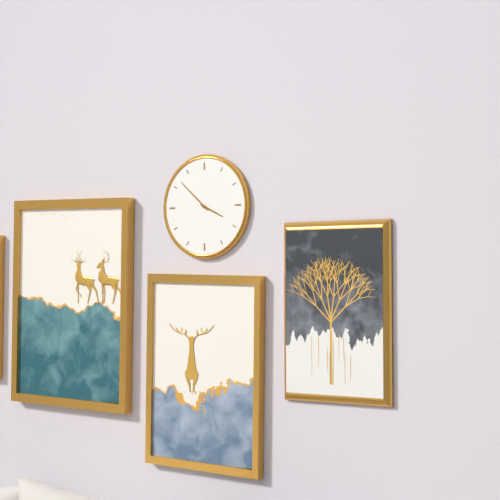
3:52
